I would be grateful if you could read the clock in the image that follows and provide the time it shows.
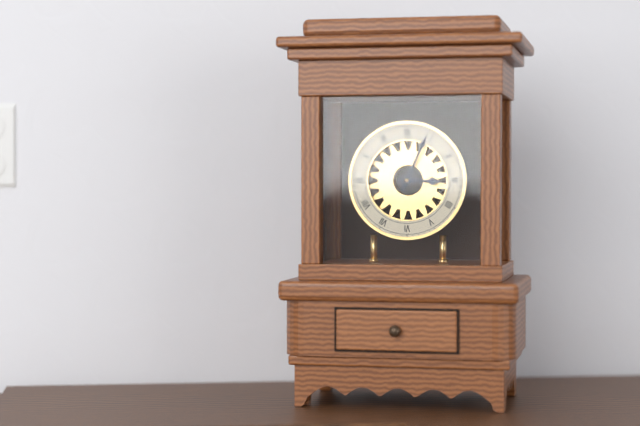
3:04
